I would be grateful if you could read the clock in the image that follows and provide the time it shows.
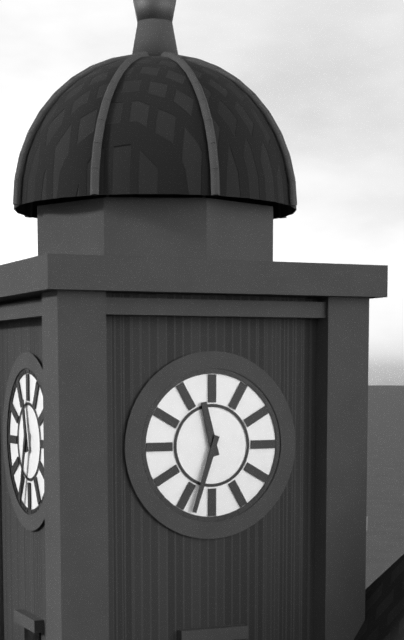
11:33
